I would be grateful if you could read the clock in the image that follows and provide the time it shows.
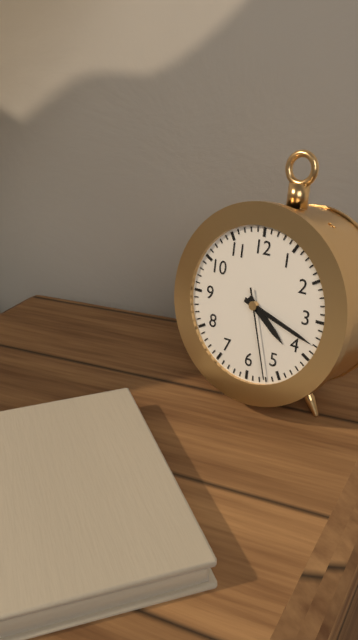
4:18:27
